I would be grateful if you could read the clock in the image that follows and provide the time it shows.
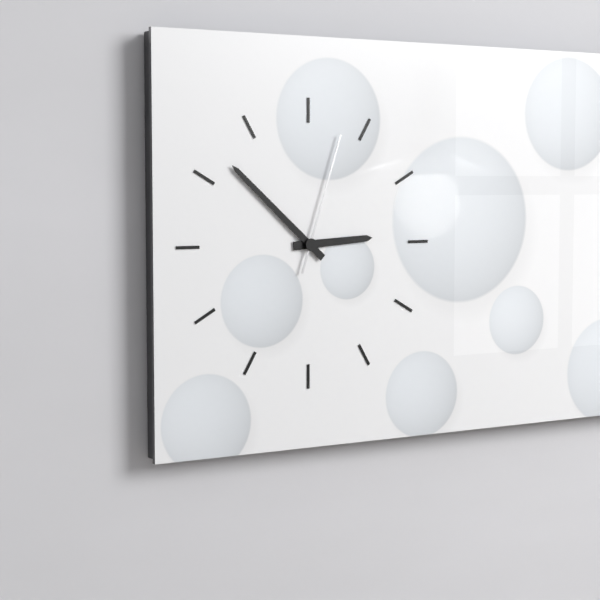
2:52:03
